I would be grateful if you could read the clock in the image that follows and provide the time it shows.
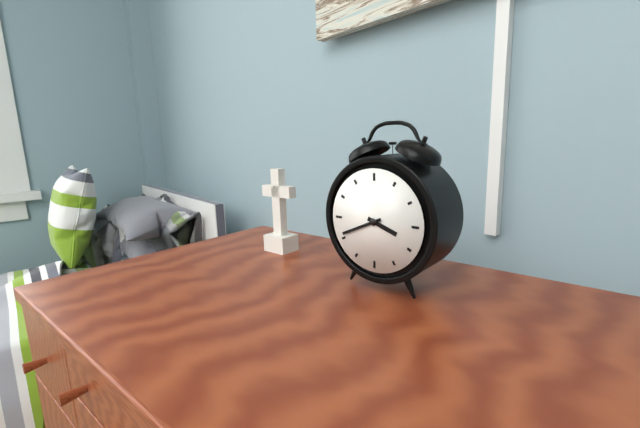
3:41
